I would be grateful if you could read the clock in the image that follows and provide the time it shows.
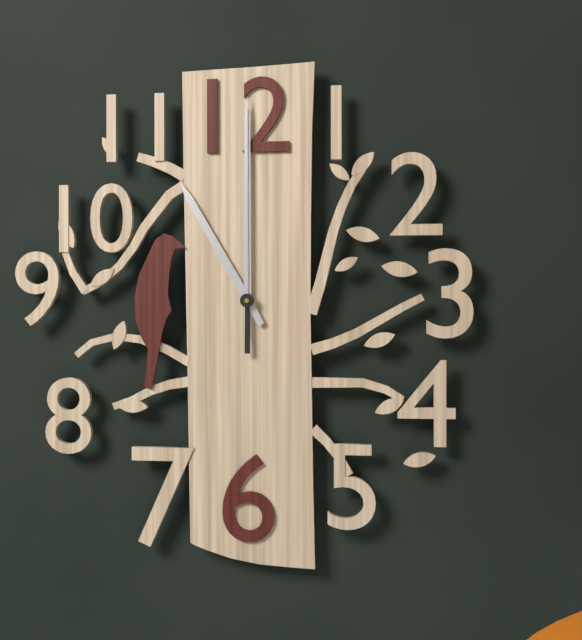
11:00:00
